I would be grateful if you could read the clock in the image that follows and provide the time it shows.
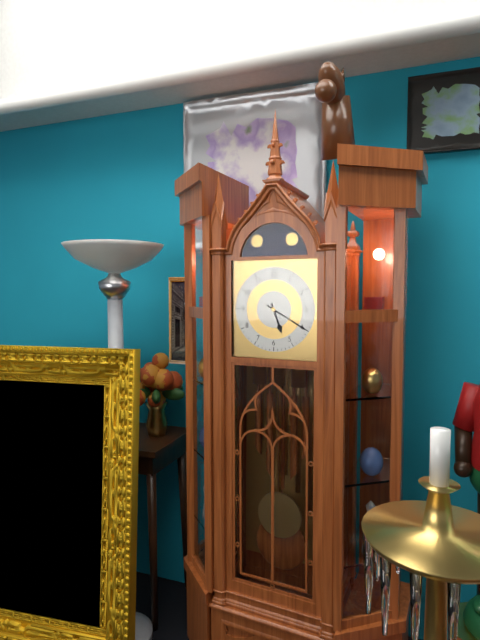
5:20
